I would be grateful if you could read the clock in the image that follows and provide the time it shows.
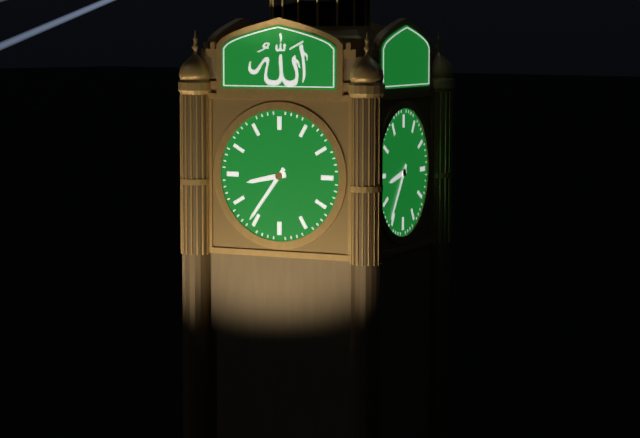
8:36
